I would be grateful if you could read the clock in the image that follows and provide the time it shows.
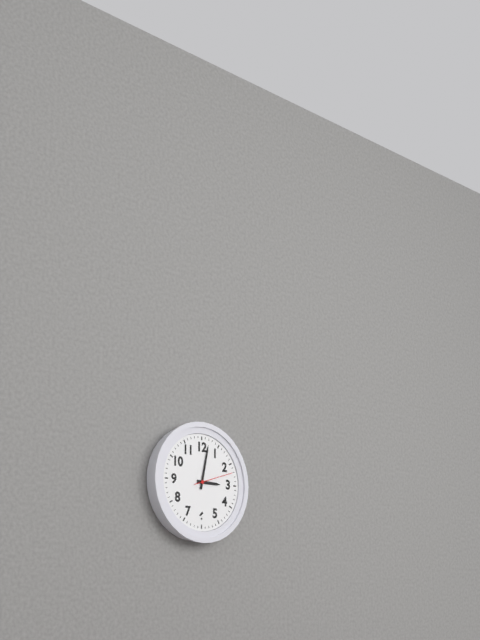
3:02
